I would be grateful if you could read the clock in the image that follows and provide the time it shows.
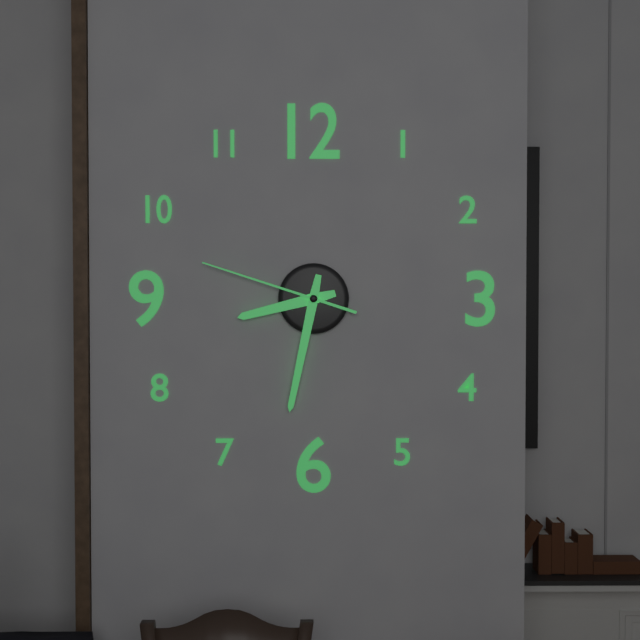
8:32:48
